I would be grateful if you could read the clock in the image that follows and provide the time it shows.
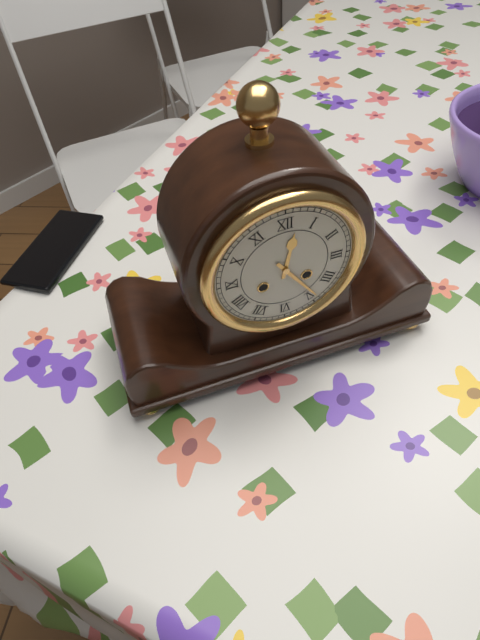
12:24
